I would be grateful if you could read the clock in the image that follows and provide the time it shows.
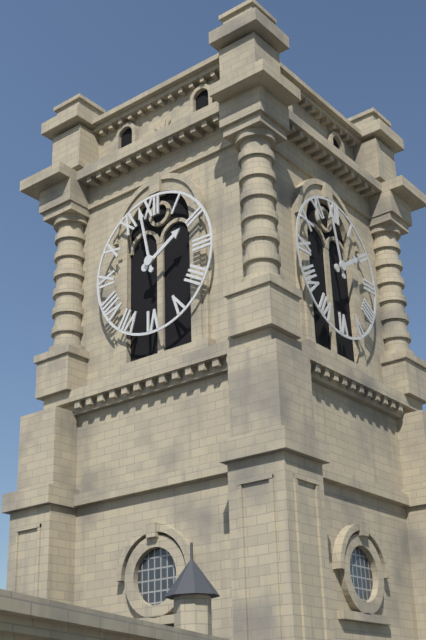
1:58
